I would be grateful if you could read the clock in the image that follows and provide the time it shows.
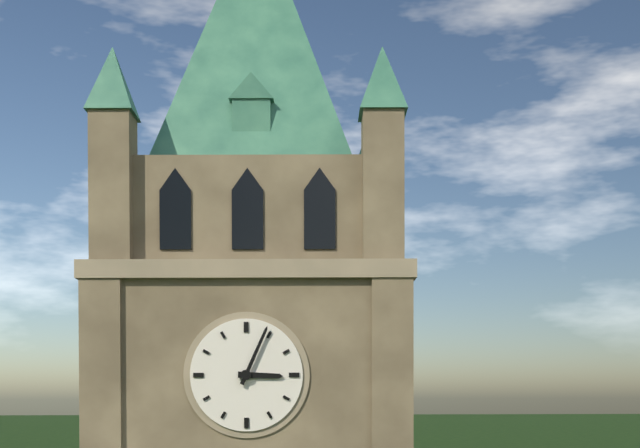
3:04
